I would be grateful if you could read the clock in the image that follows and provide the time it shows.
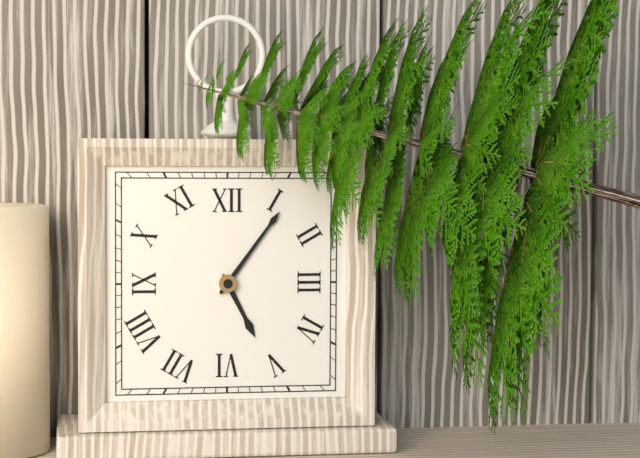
5:06
